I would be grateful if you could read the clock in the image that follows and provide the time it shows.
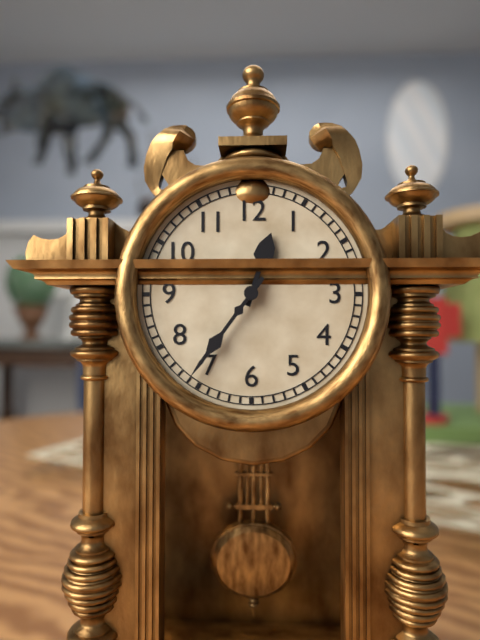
12:36
